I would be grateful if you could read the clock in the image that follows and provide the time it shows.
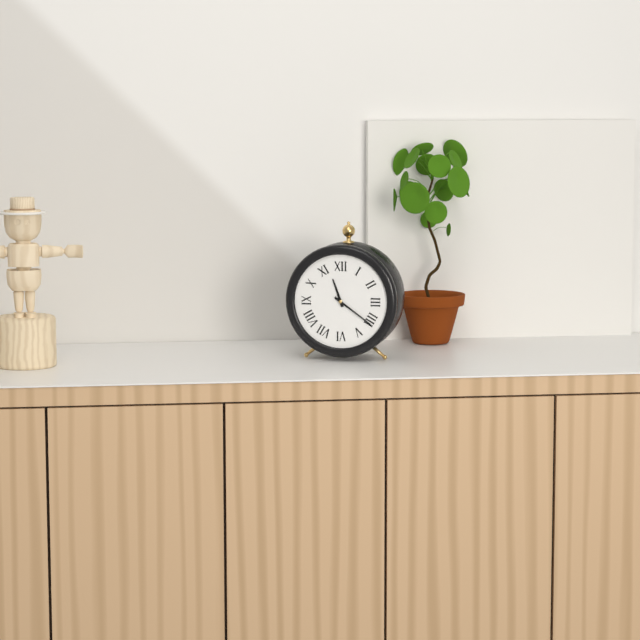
11:21
